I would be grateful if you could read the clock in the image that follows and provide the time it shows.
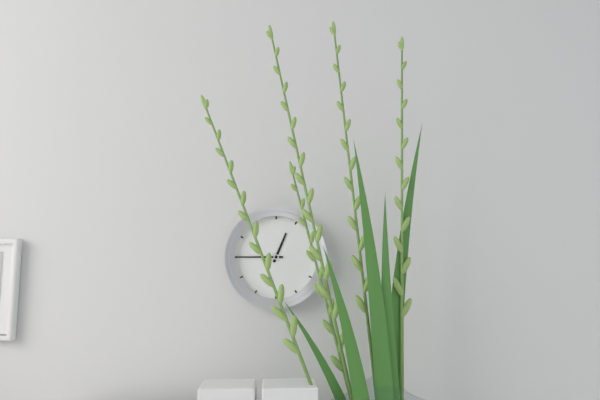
12:45
